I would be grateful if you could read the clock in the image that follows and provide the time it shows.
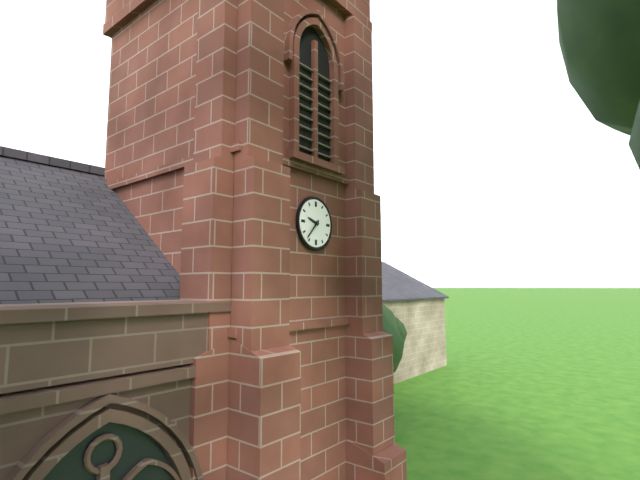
9:37
